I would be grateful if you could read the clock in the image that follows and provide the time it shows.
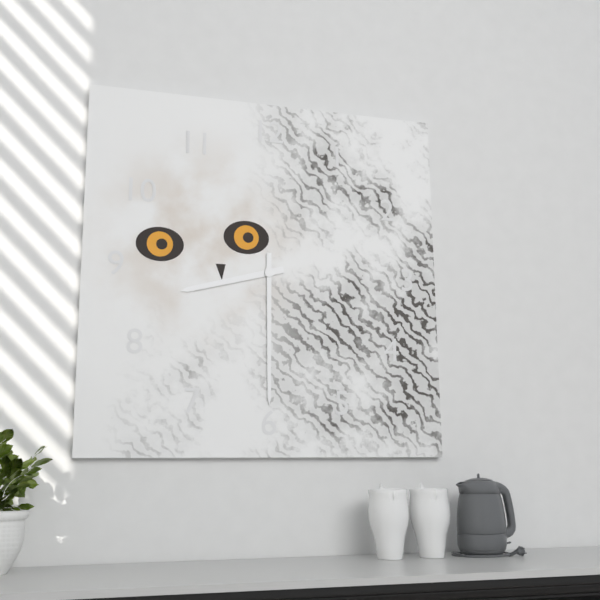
8:30
